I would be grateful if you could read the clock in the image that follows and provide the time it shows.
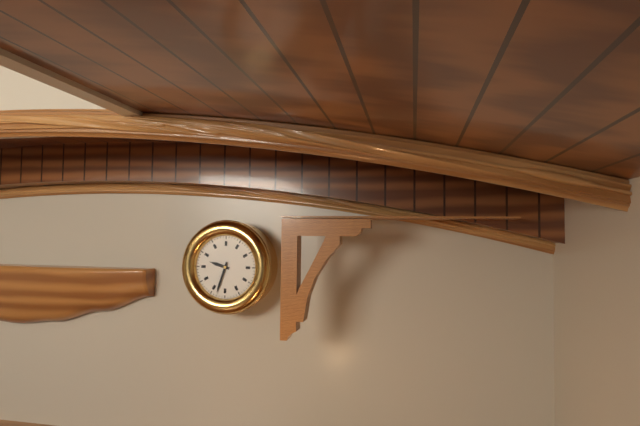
9:33
